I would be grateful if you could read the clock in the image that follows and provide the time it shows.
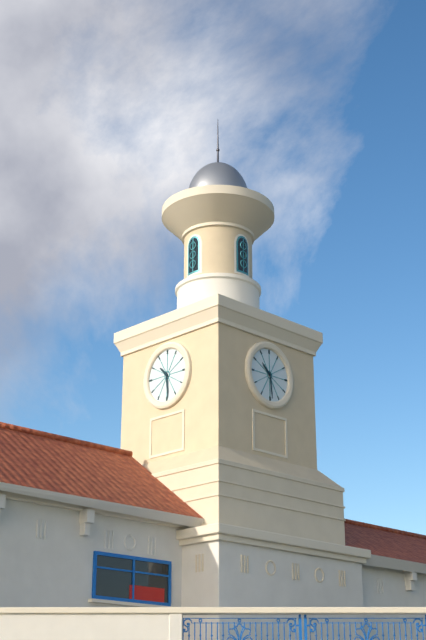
10:29
